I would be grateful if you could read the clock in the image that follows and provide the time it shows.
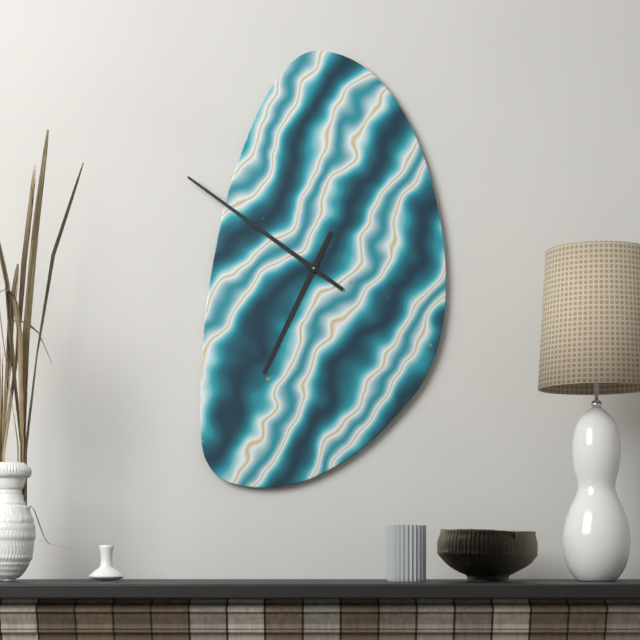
6:51
